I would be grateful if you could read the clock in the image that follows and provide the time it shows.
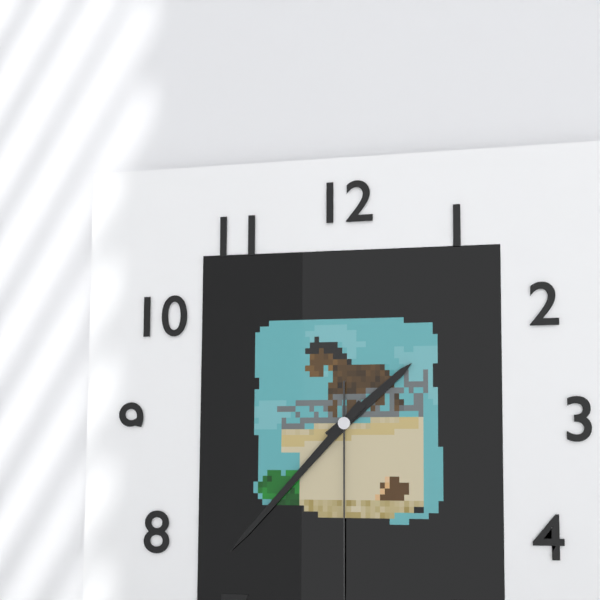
1:37
